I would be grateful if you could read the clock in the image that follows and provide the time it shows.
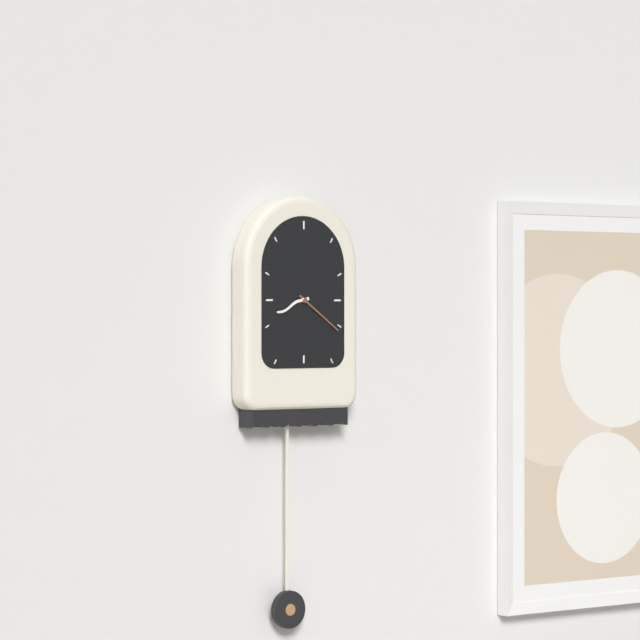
8:21
